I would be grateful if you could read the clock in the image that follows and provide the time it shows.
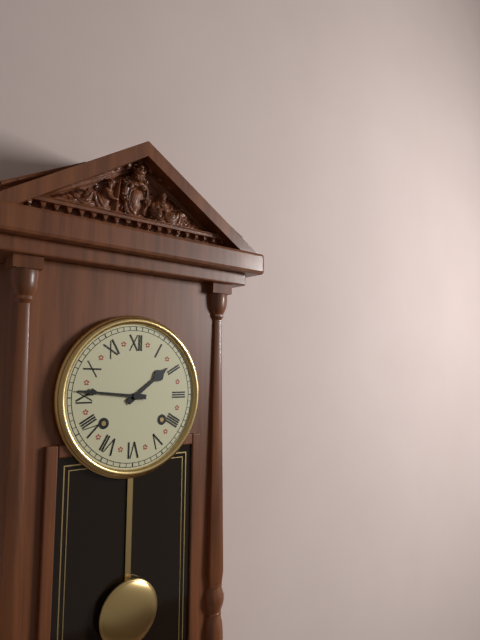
1:46
